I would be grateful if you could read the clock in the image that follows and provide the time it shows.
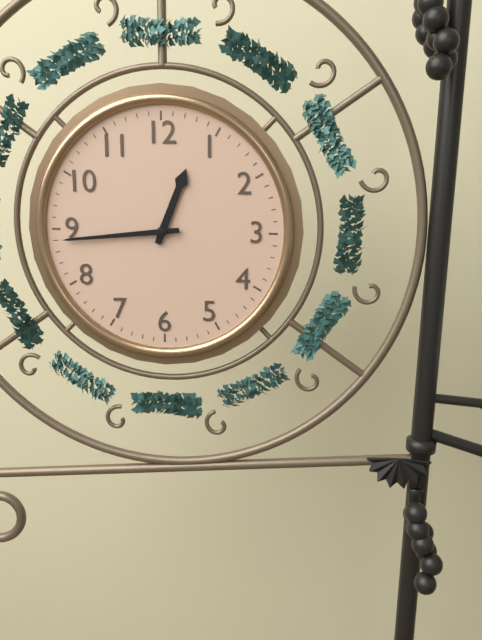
12:44
